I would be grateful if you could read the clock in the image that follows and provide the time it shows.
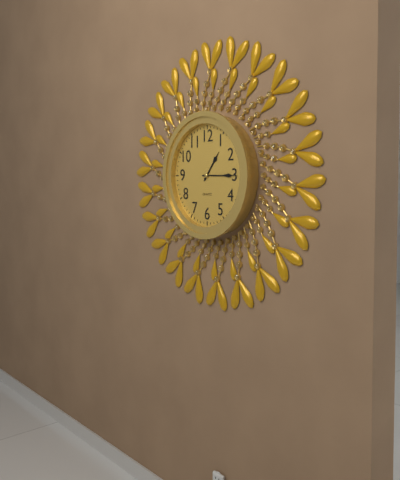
1:15
